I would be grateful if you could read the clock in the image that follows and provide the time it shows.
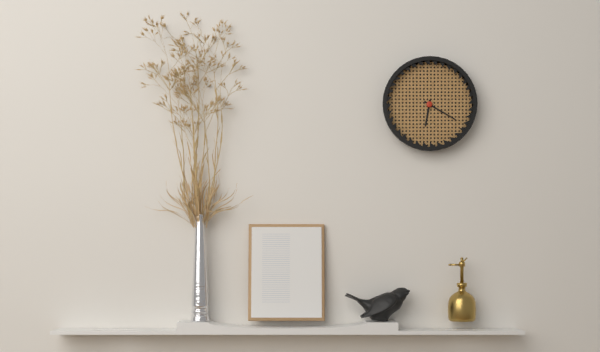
6:20
